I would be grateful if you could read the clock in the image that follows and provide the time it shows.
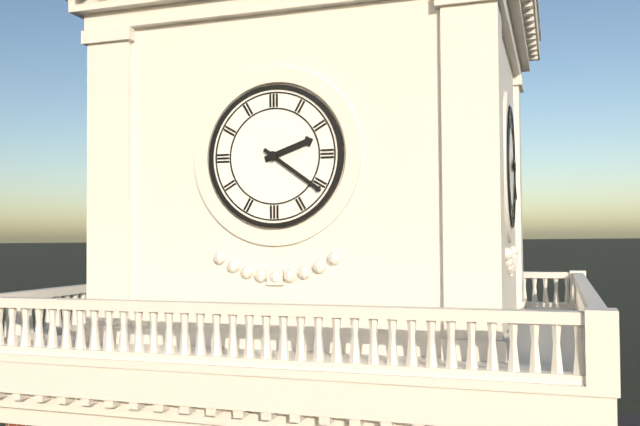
2:21
